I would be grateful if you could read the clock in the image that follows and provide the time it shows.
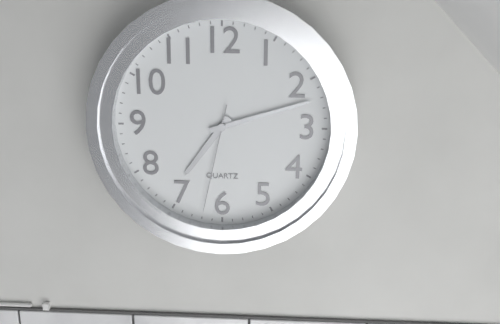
7:12:32
